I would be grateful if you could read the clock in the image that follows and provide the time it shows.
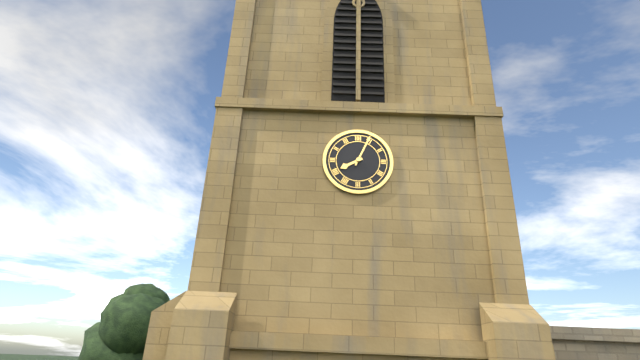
8:04
